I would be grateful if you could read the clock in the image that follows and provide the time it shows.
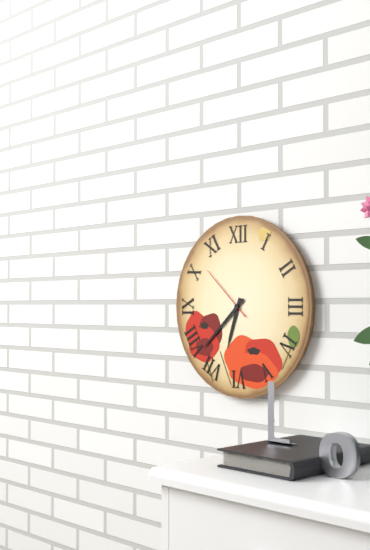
6:38:52
